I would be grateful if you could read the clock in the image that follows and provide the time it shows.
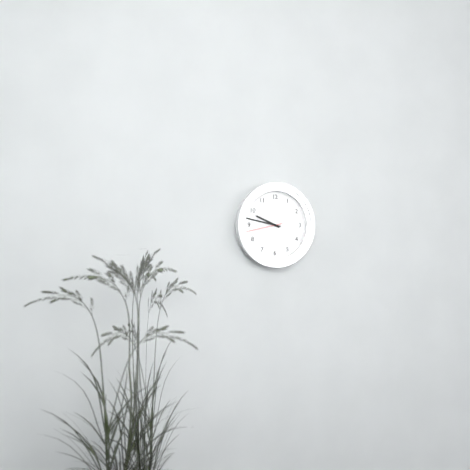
9:47
